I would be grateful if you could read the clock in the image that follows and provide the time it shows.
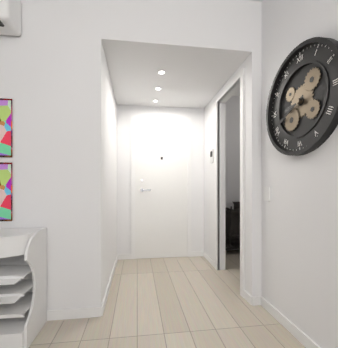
8:41
